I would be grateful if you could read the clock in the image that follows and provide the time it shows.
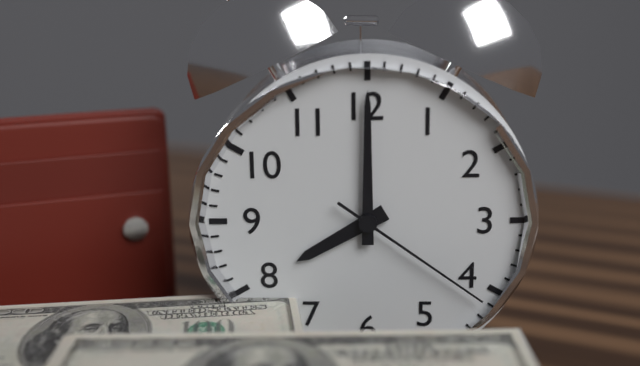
8:00:21
